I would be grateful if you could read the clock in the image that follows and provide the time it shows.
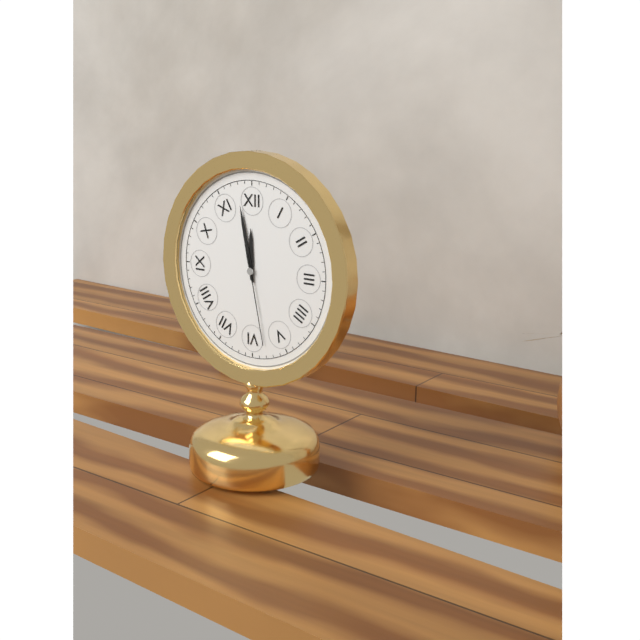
11:58:28
